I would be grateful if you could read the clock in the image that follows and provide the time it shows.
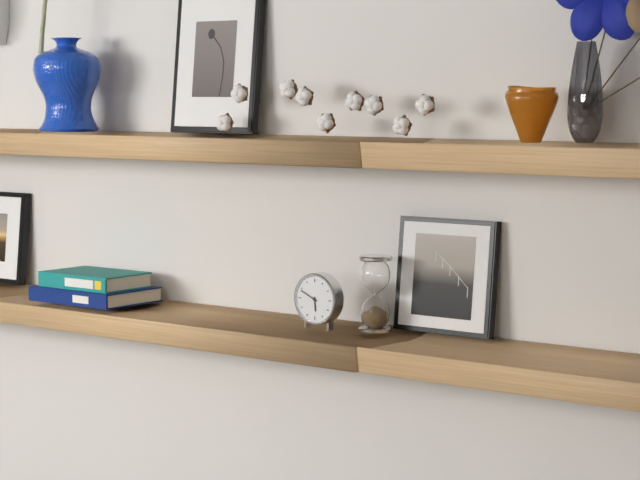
5:49
